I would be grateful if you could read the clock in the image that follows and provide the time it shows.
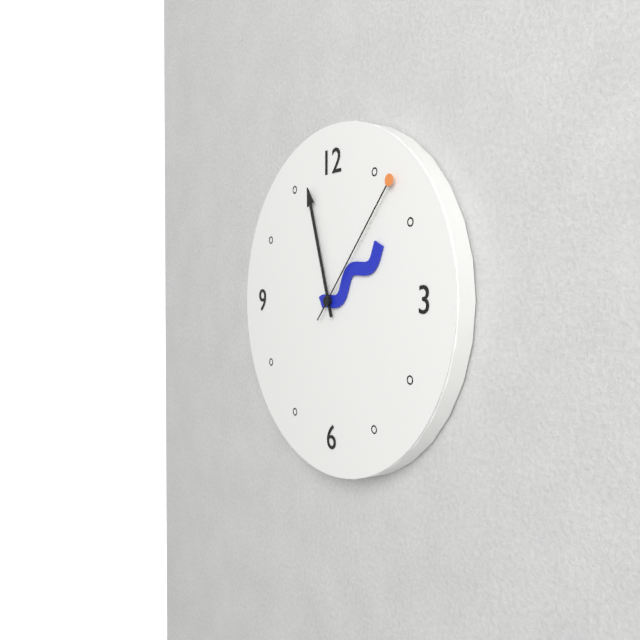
1:57:07
